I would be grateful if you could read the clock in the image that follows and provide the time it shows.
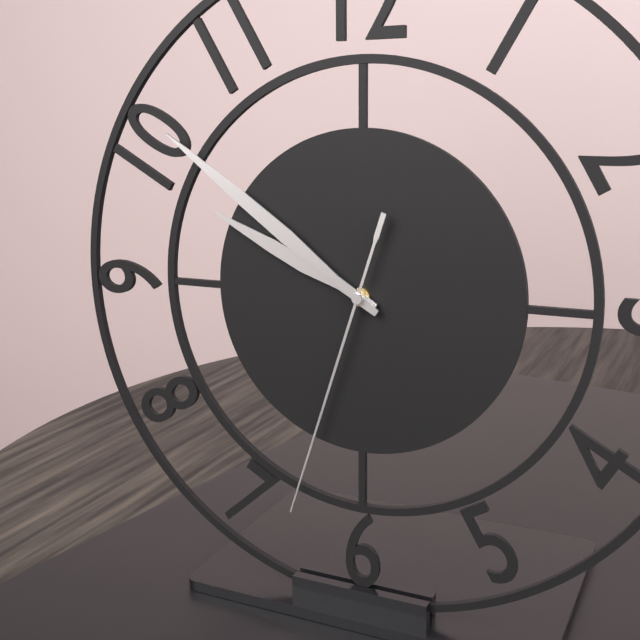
9:51:33
